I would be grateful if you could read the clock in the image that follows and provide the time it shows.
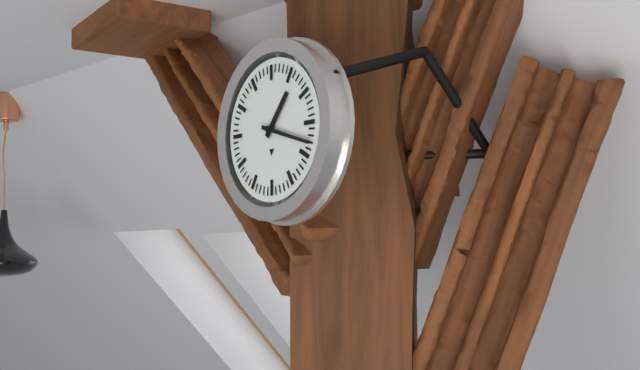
1:18
